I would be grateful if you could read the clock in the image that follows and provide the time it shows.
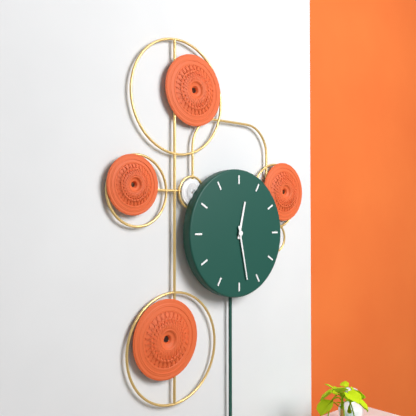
12:28
